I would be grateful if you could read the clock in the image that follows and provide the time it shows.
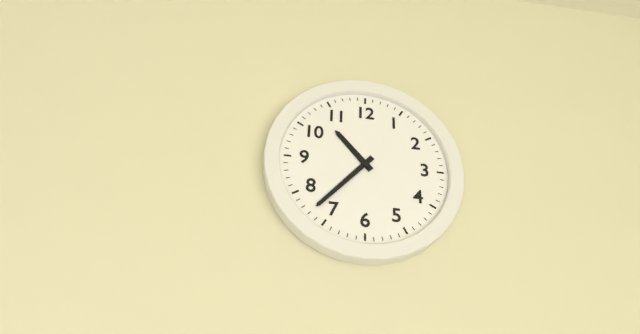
10:37
